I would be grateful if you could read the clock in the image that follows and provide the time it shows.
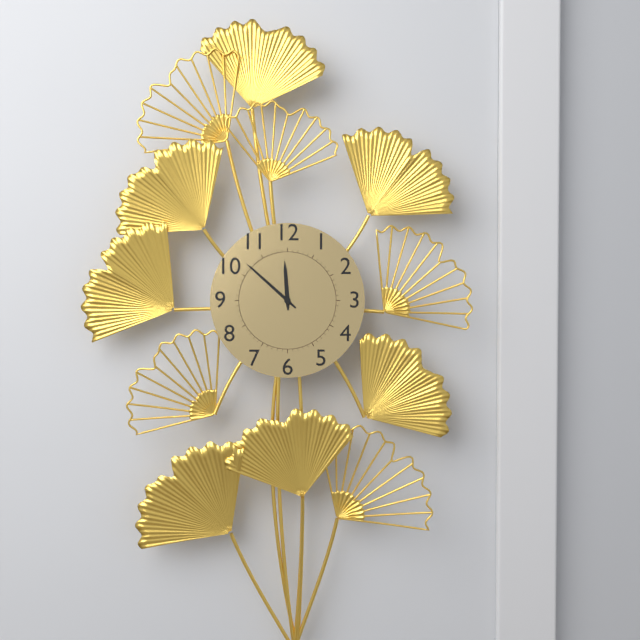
11:52
